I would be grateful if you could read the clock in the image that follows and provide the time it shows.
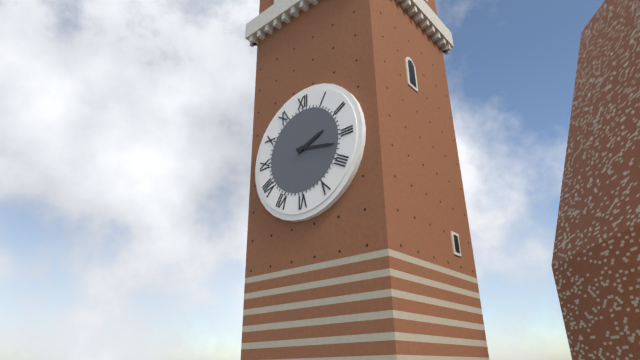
2:17
